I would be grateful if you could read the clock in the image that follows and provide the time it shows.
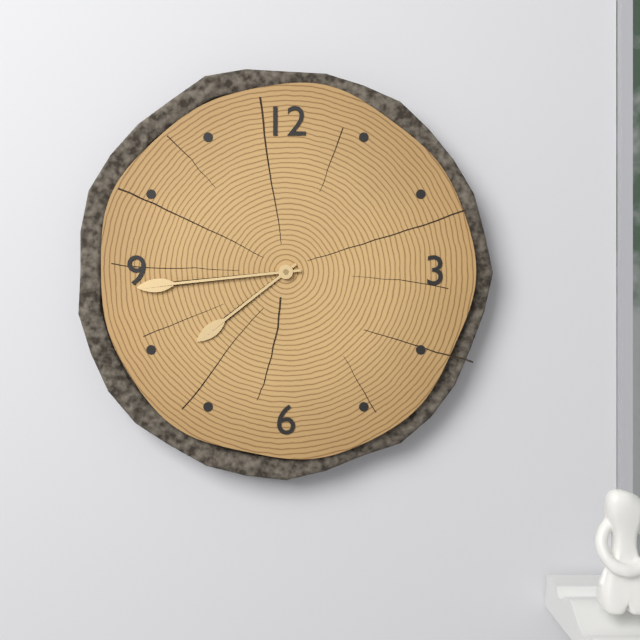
7:44
